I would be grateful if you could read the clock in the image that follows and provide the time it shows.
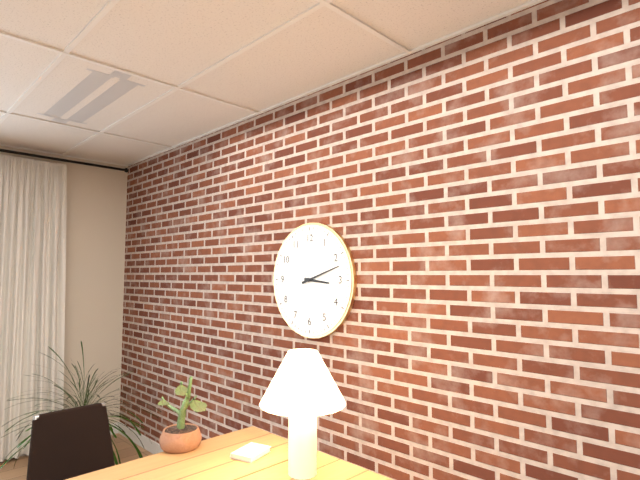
3:12
